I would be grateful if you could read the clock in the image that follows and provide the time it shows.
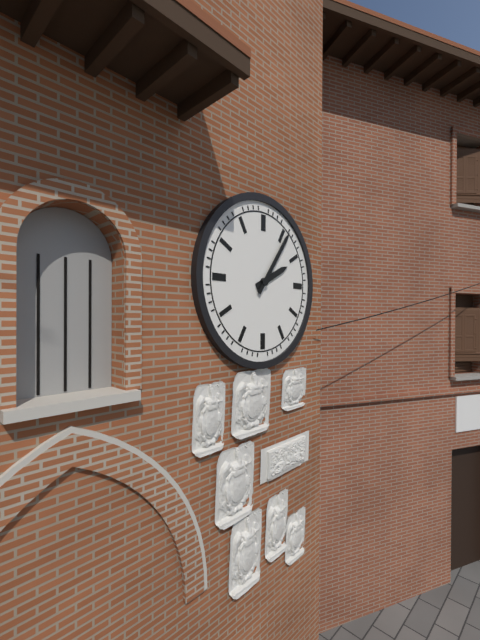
2:06
